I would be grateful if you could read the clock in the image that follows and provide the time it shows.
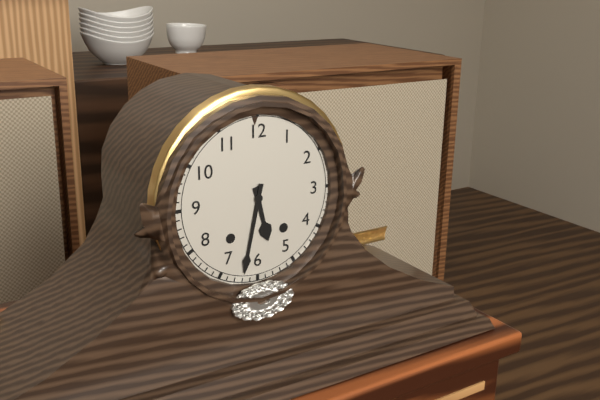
5:32
